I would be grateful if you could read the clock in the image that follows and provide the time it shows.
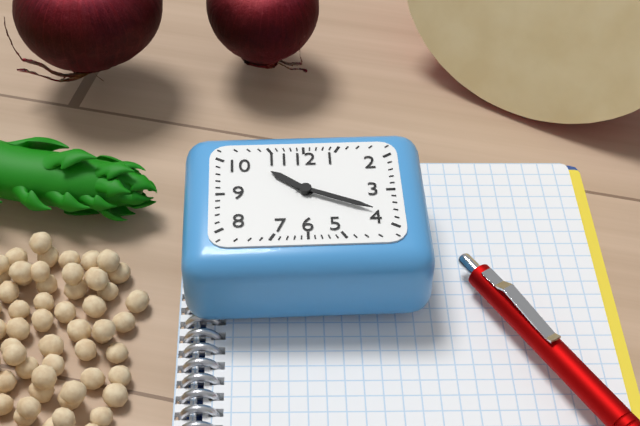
10:19
